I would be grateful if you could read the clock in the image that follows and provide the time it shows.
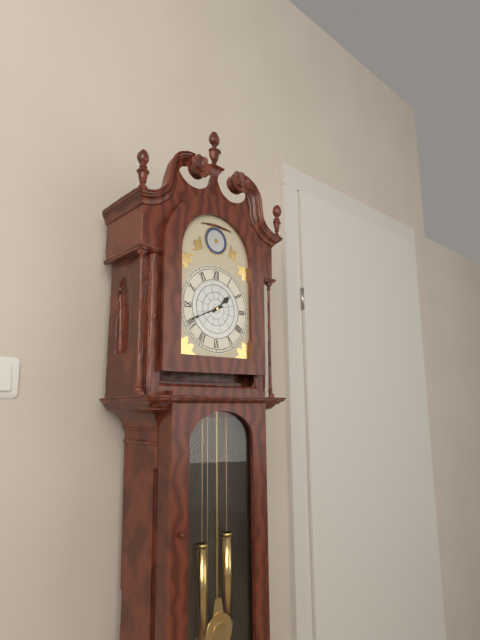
1:41
